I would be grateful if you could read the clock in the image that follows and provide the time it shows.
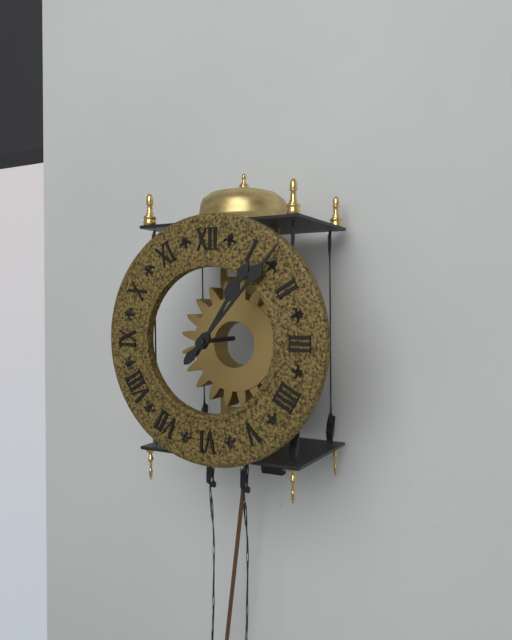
1:07
